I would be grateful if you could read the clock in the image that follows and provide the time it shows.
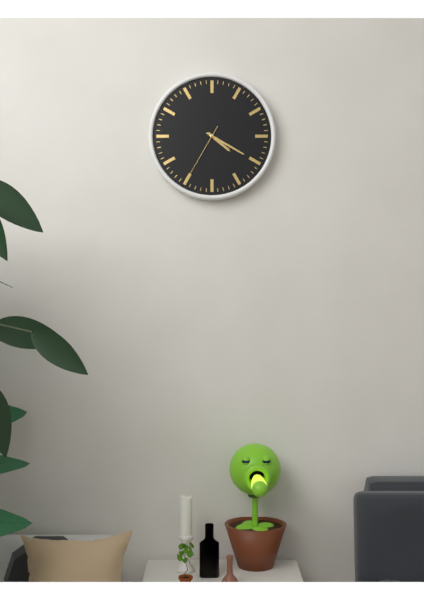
4:20:35
